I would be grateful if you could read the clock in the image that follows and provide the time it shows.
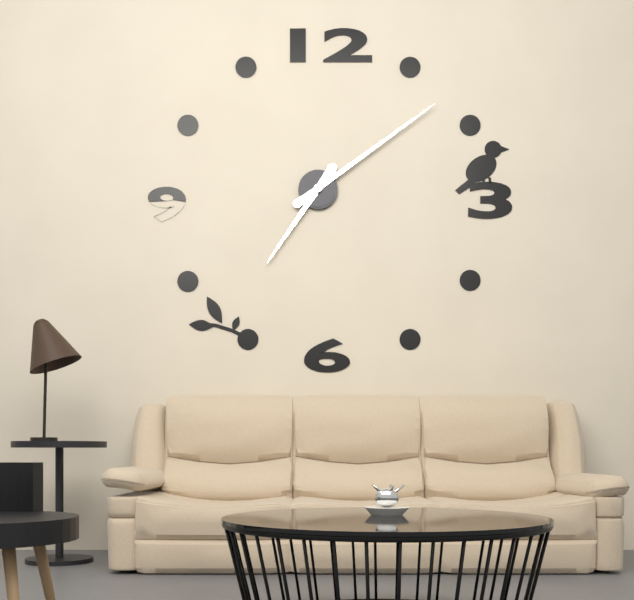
7:09
